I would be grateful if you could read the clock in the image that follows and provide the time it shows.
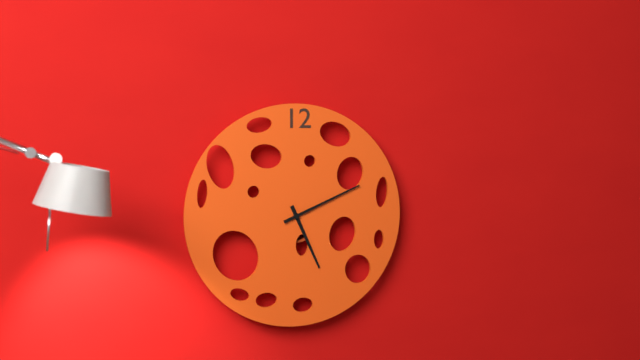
5:11
